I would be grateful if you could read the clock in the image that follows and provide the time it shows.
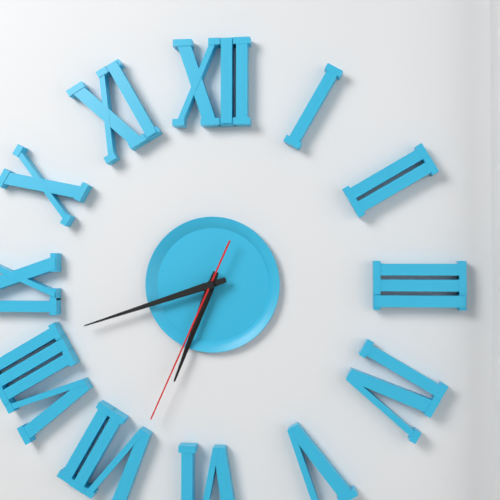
6:42:34
